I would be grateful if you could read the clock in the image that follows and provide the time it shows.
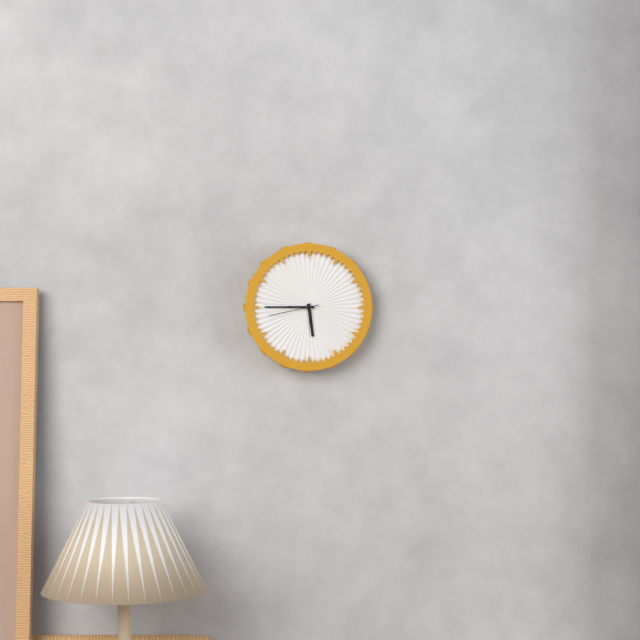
5:45:43
